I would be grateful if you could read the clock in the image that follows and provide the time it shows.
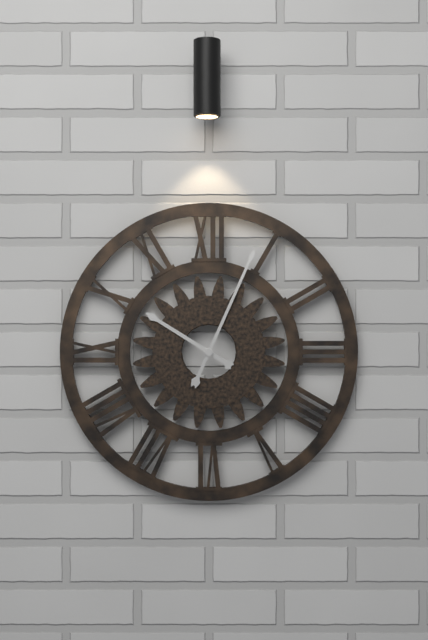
10:04
